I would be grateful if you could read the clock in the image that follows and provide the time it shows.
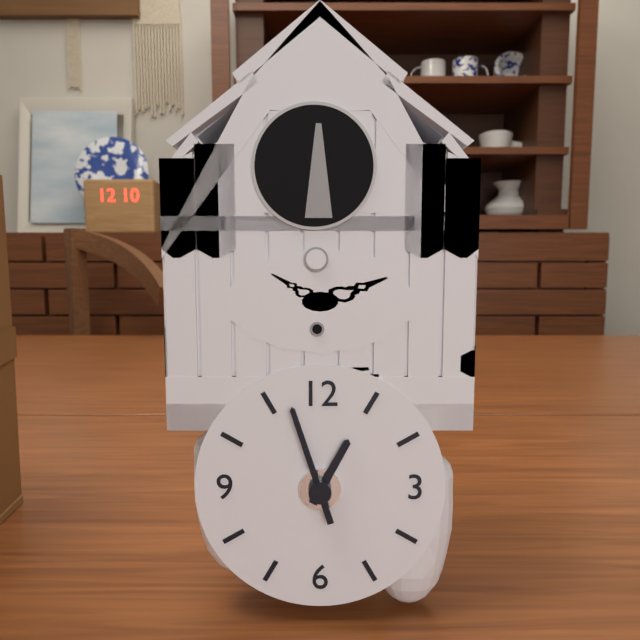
12:57
